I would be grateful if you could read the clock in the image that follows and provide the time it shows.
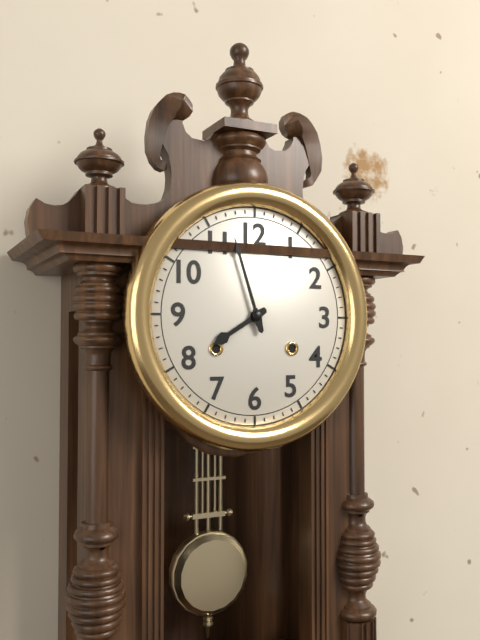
7:57
